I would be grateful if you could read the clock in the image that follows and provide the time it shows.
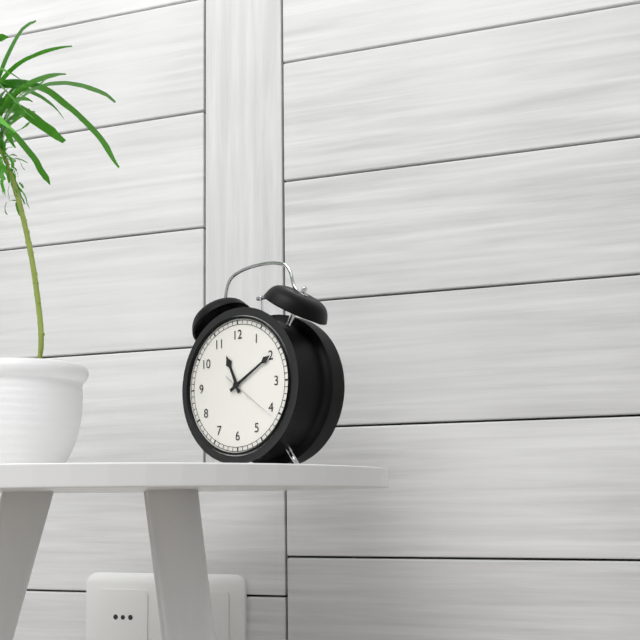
11:10:21
